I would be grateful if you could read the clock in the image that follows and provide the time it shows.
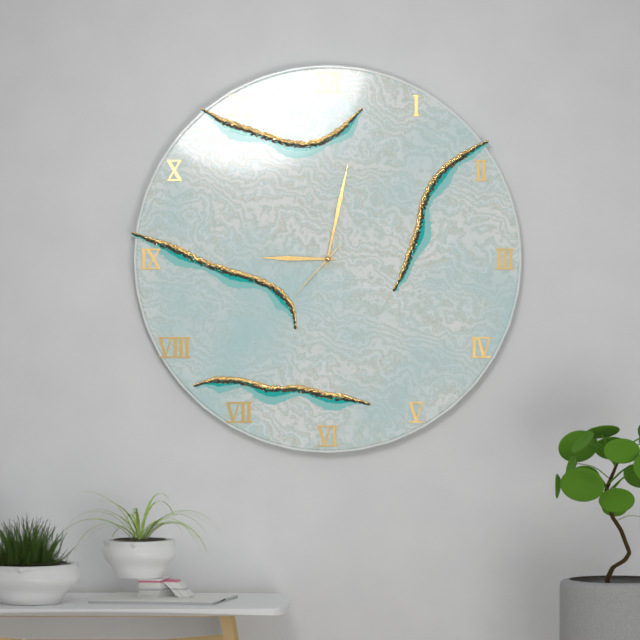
9:02:37
